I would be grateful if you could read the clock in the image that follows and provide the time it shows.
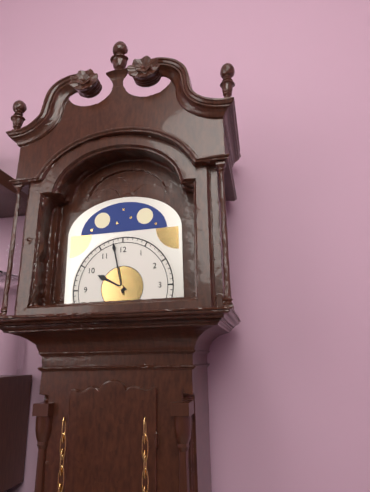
9:58
